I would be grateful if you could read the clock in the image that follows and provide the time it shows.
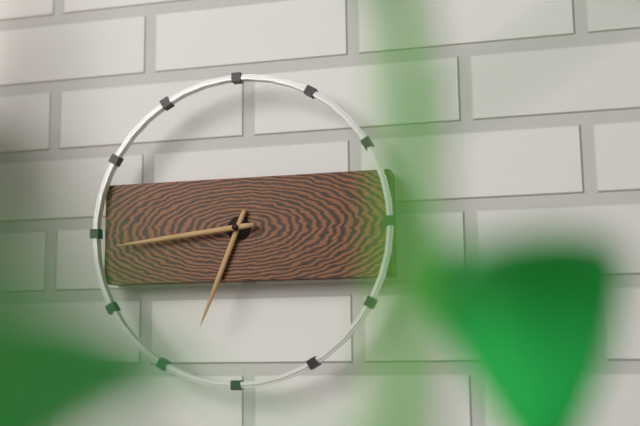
6:44
